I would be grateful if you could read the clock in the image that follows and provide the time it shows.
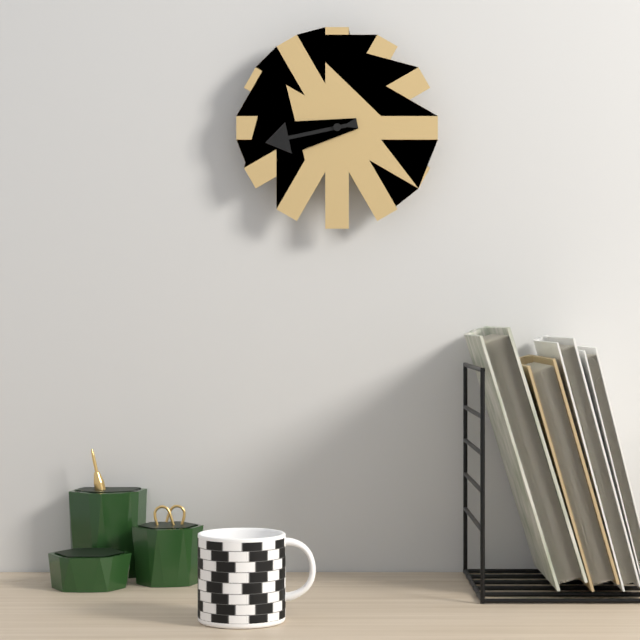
8:43
